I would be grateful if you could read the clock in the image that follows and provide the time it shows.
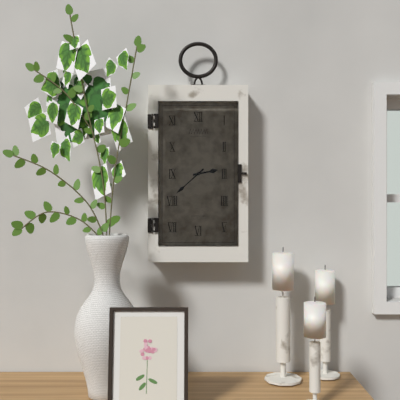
2:38
